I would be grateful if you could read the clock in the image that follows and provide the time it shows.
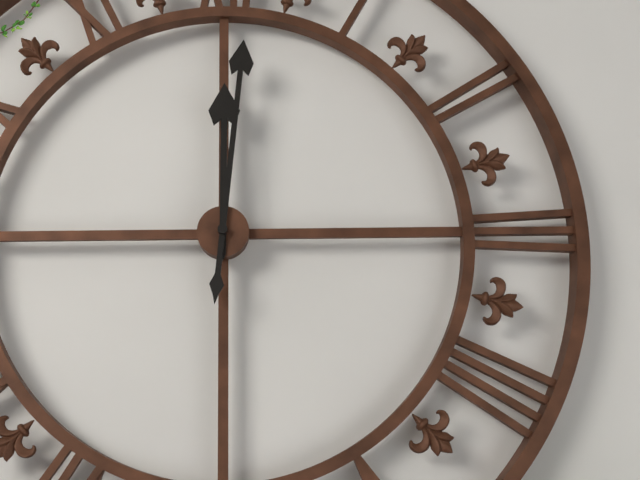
12:01
